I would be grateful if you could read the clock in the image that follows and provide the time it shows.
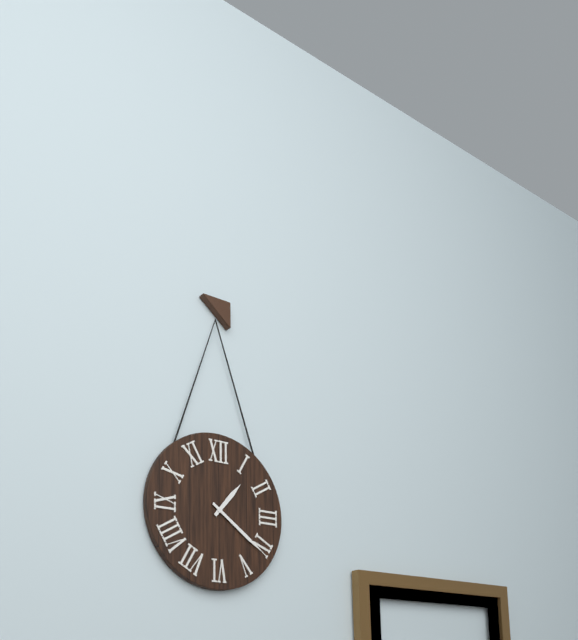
1:21
